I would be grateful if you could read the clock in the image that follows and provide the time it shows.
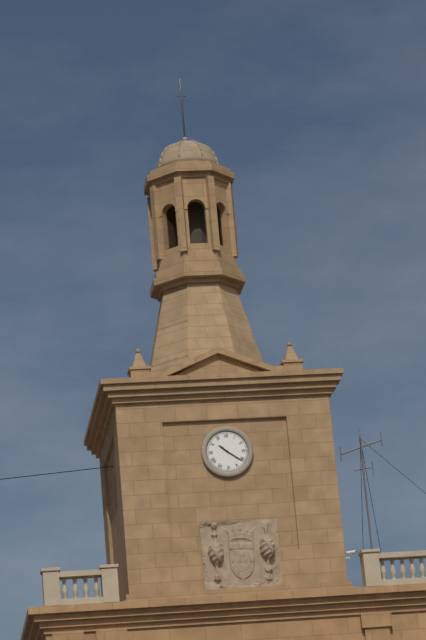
10:21
